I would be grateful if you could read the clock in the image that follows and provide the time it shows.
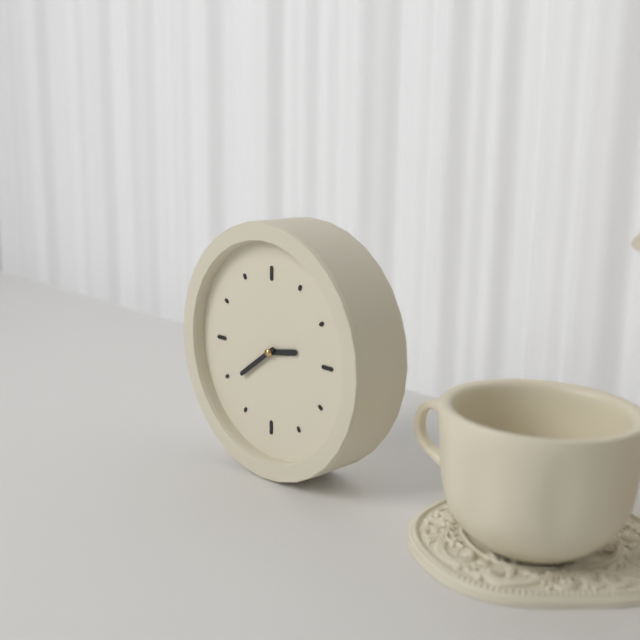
2:39
